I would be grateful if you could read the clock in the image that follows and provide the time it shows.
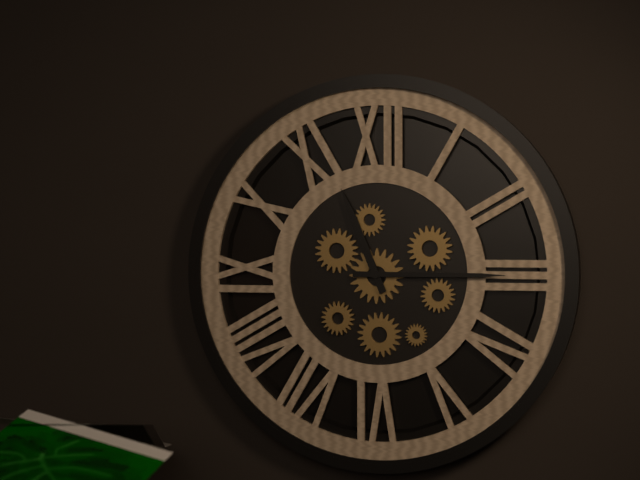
11:15
